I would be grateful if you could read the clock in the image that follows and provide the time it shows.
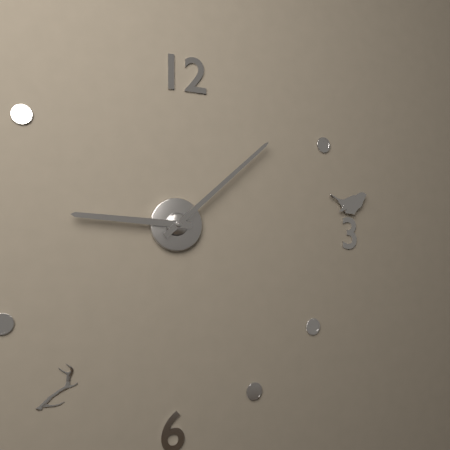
9:08
